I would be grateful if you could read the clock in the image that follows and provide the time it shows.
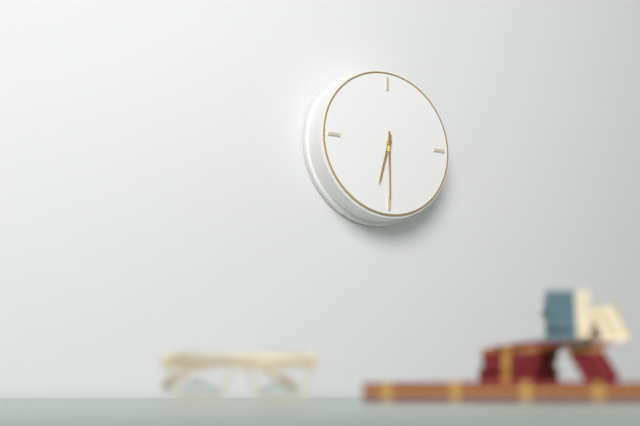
6:30
